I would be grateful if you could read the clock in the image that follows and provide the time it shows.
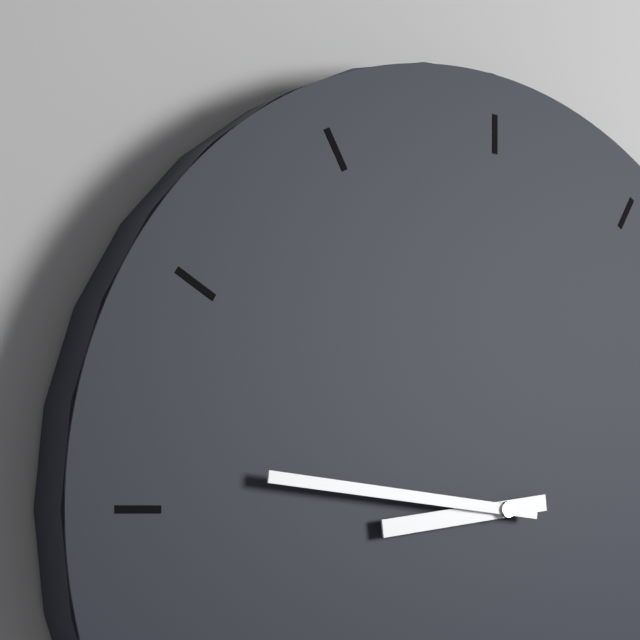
8:46
